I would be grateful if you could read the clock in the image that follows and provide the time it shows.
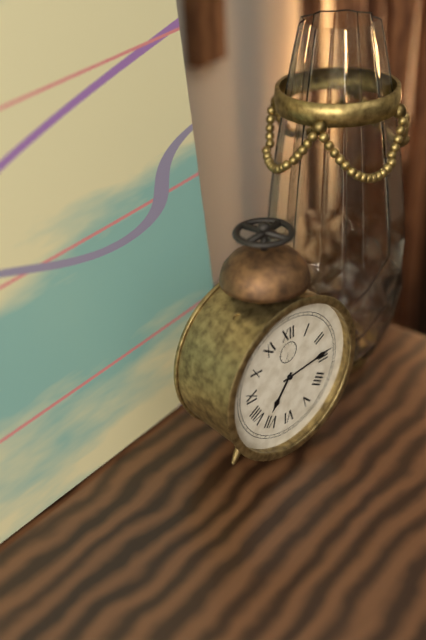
7:14
